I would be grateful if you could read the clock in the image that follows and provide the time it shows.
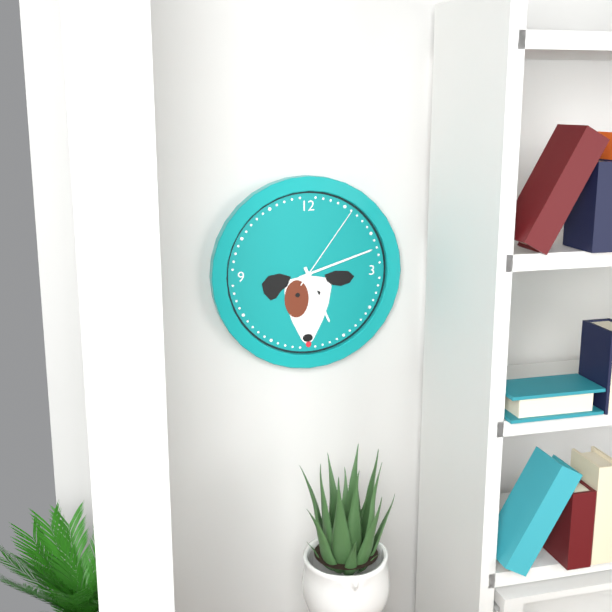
5:12:06
